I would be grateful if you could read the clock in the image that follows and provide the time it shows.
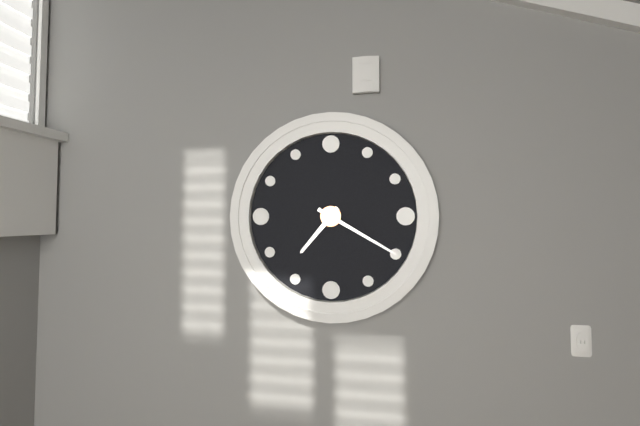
7:20
